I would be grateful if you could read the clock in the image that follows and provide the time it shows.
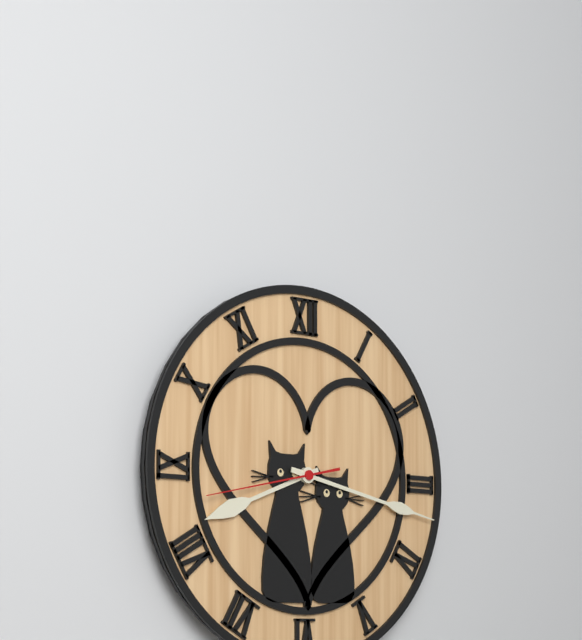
8:17:43
